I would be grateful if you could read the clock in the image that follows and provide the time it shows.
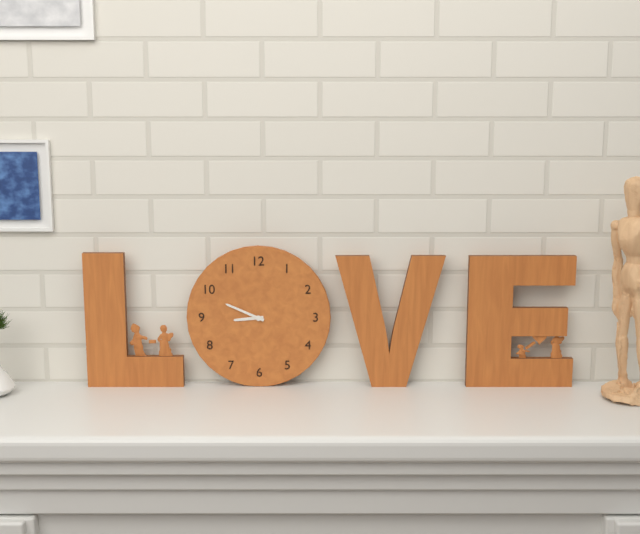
8:49
